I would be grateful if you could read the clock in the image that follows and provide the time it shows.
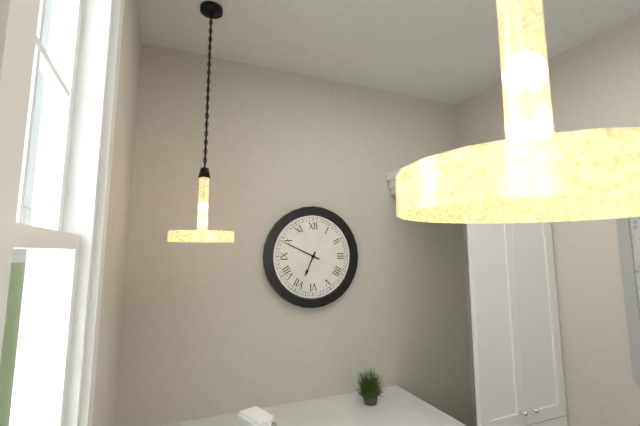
6:49
